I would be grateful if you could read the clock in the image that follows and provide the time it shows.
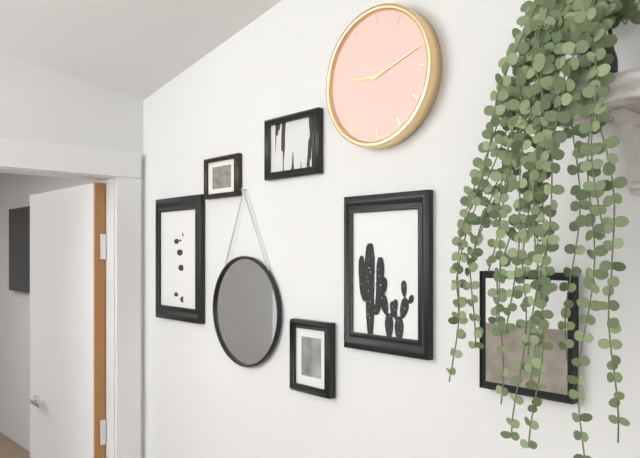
9:12
